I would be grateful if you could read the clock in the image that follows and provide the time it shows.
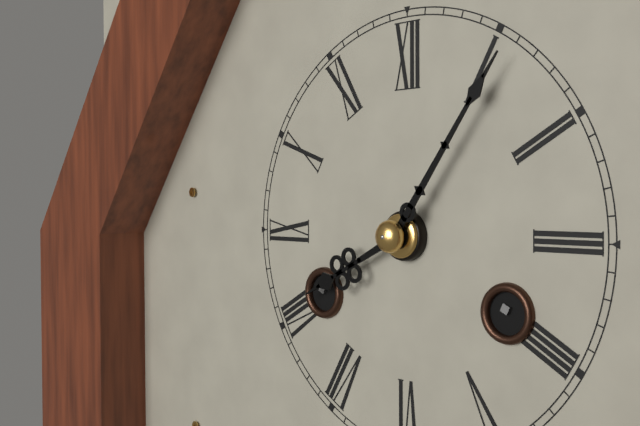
8:06
